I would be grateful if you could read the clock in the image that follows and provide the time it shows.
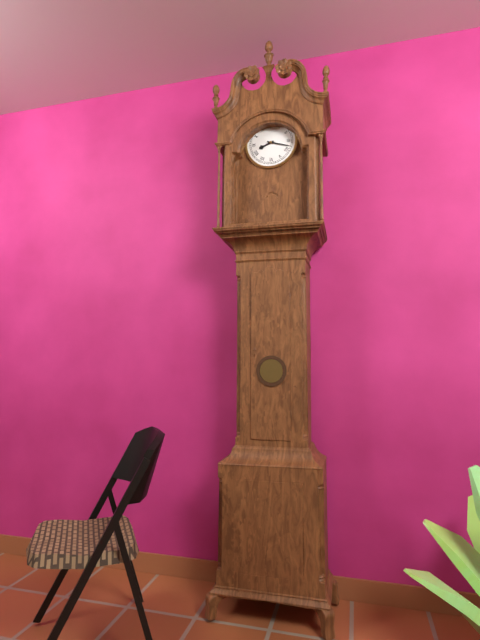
8:18
